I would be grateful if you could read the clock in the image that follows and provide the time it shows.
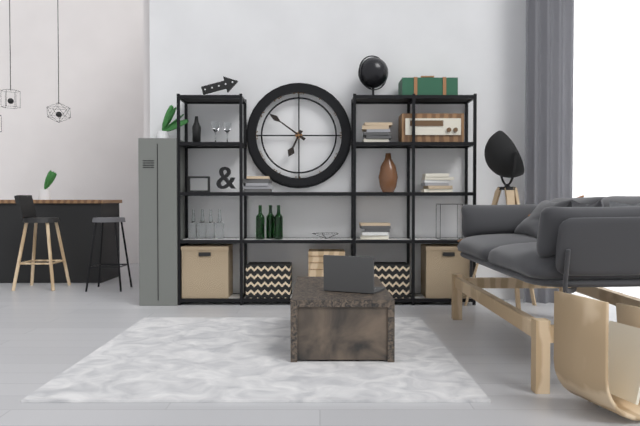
6:51
